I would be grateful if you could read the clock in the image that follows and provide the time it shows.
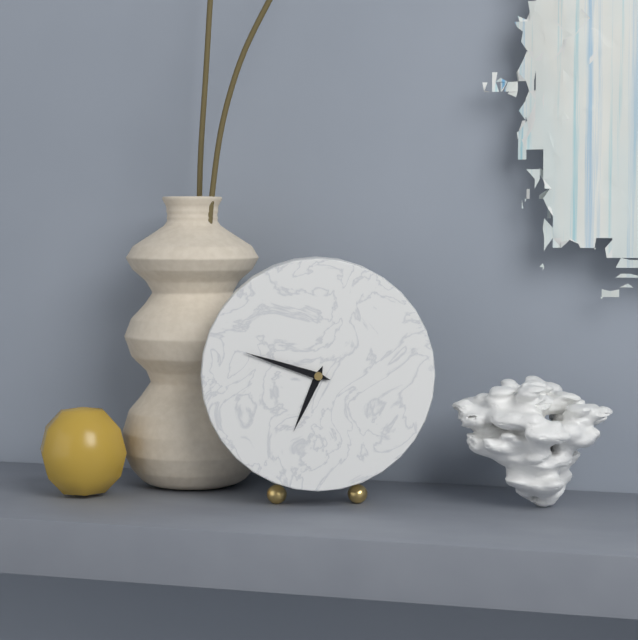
6:48
